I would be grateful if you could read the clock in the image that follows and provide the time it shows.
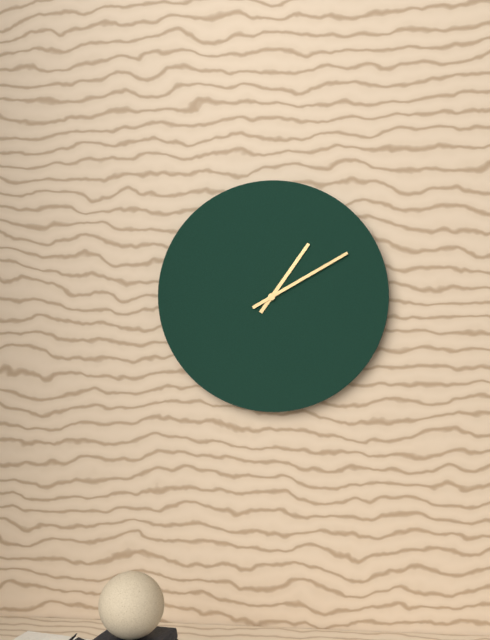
1:10
